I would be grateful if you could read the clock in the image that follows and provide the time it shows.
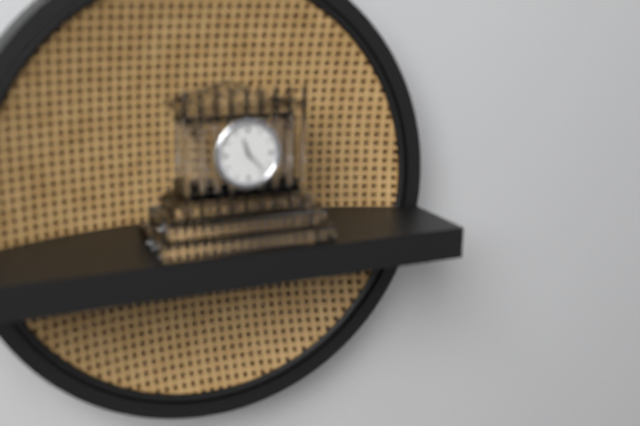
11:23
